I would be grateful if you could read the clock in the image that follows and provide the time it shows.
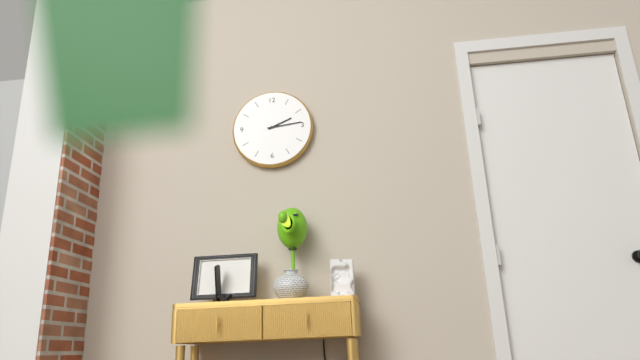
2:14
